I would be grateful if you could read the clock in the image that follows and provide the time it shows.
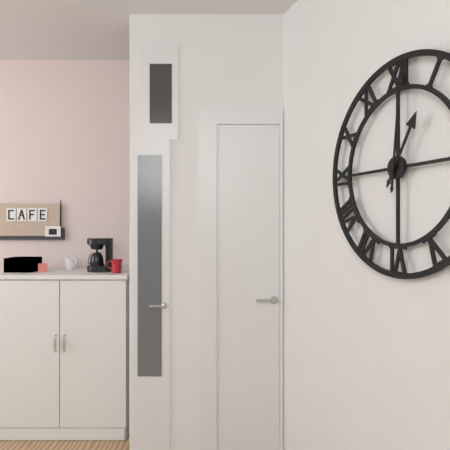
1:01
